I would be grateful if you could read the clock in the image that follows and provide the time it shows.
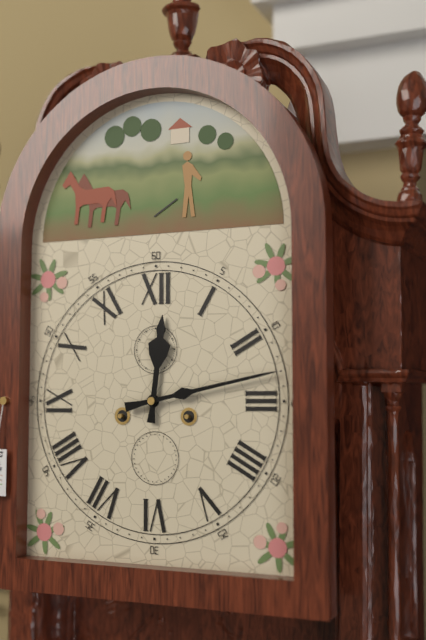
12:13
